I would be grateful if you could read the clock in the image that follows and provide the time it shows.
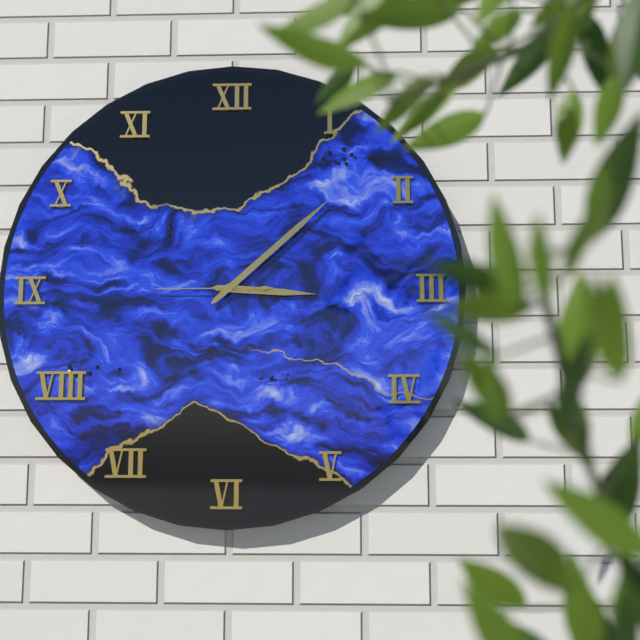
3:08:45
